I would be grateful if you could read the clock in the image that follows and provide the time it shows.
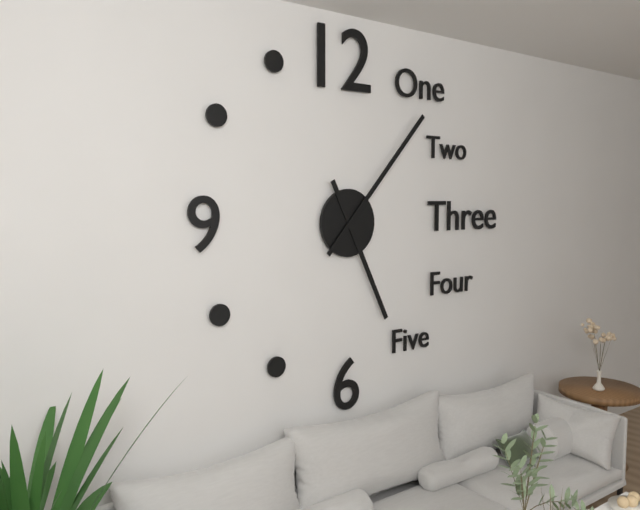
5:07
